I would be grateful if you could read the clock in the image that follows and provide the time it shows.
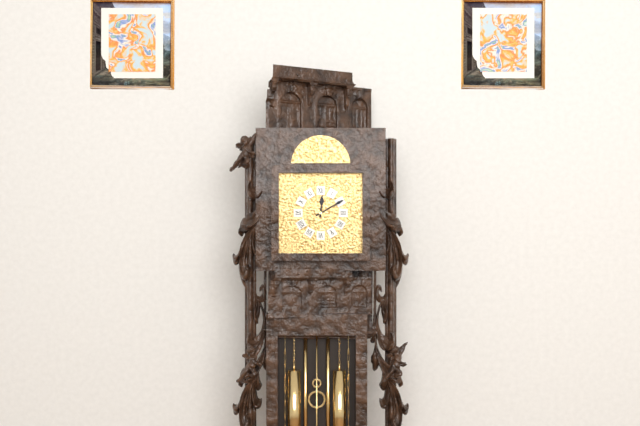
12:10
